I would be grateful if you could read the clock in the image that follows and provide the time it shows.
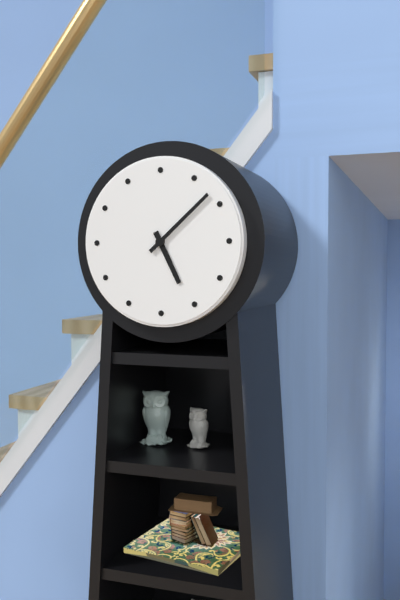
5:08
